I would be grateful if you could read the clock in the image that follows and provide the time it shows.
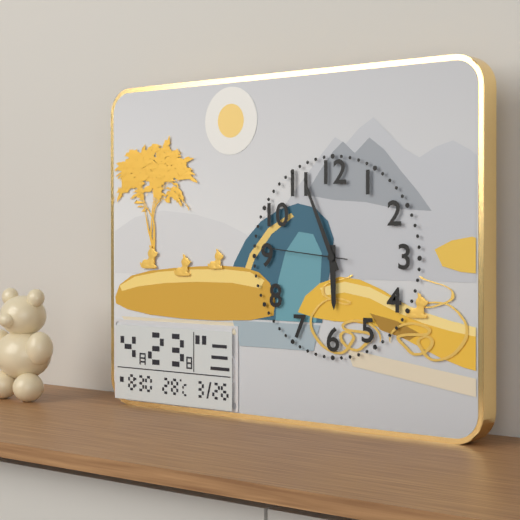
5:56:46
